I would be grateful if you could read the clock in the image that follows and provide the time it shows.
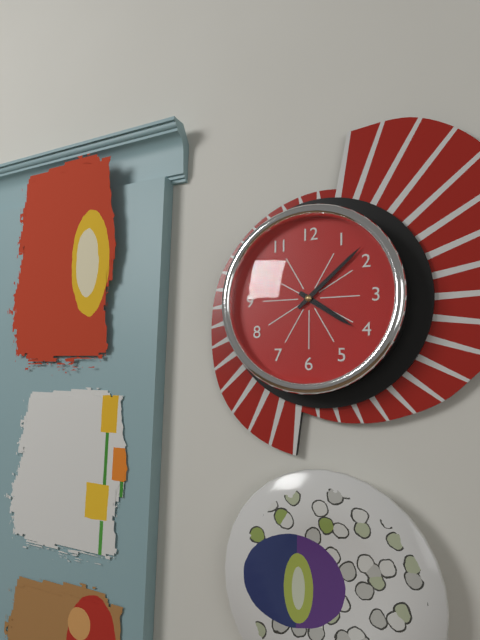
4:08
